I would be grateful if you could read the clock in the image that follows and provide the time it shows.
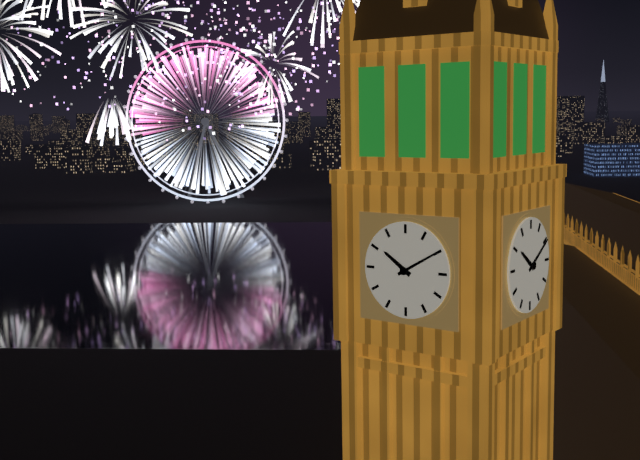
10:10
